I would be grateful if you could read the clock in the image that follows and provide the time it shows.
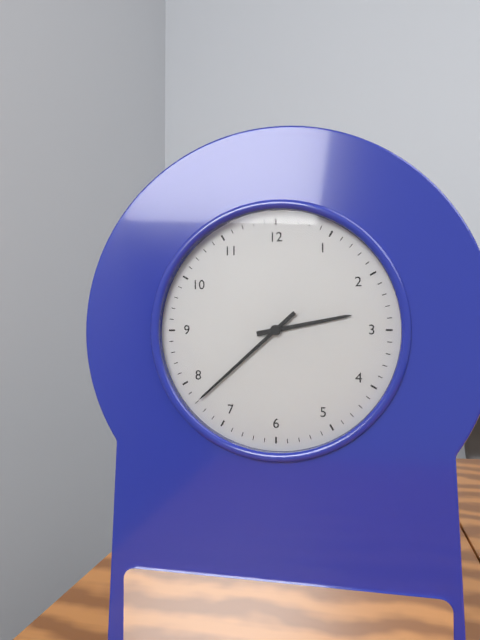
2:38
